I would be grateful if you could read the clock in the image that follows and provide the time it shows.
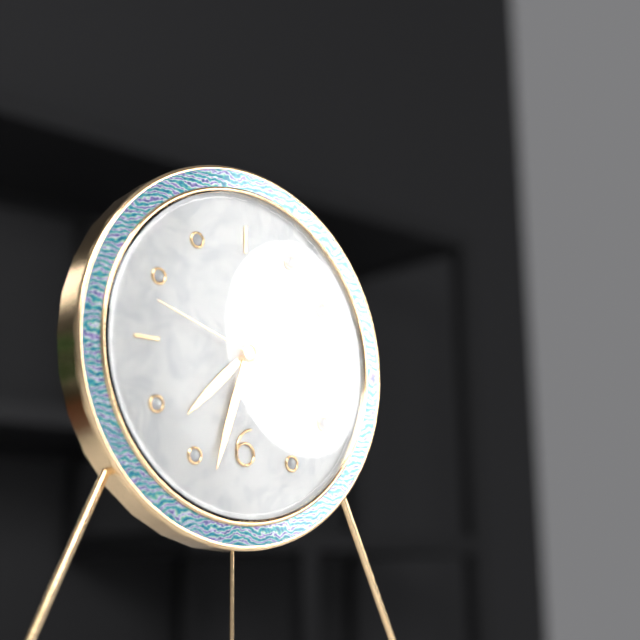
7:33:48
